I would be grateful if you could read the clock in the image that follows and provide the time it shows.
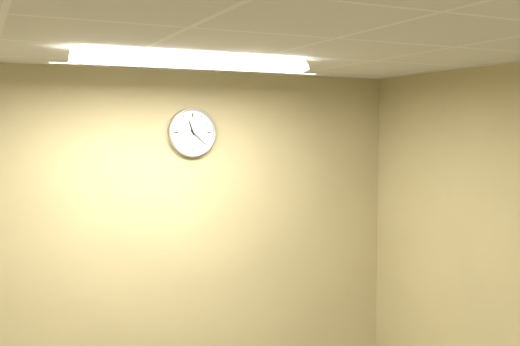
11:22
